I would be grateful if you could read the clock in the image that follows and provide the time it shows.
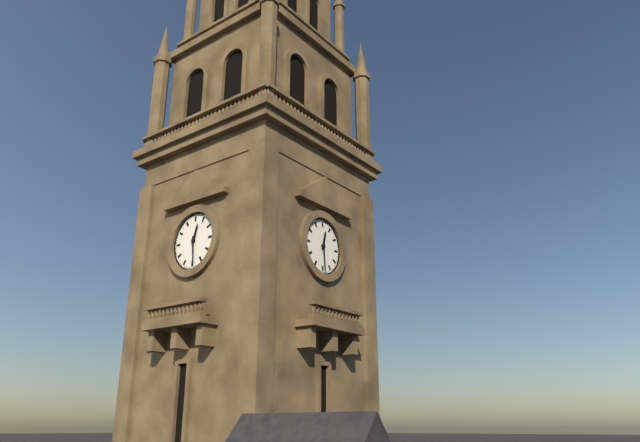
12:29
